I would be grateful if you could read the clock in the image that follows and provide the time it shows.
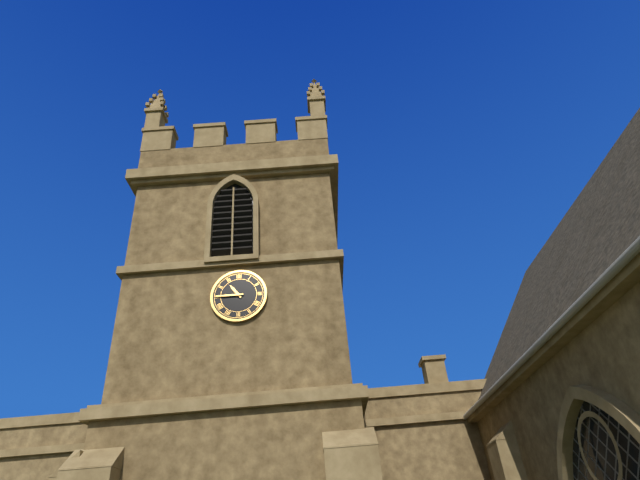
10:45
